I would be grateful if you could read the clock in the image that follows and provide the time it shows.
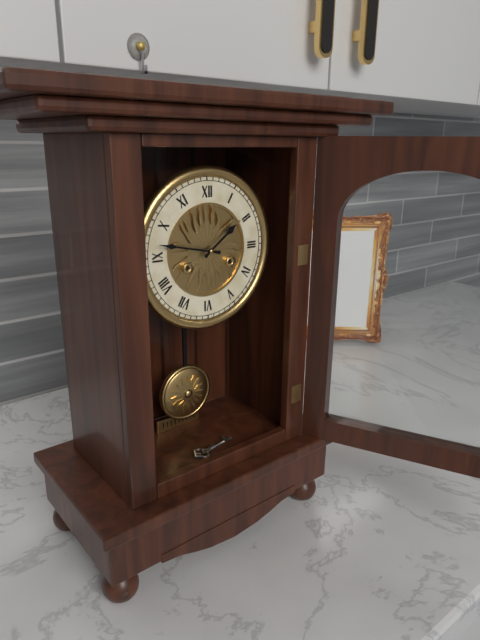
1:47
